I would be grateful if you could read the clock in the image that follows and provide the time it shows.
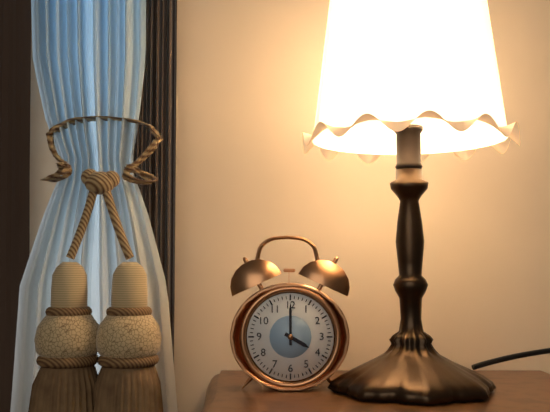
4:00
